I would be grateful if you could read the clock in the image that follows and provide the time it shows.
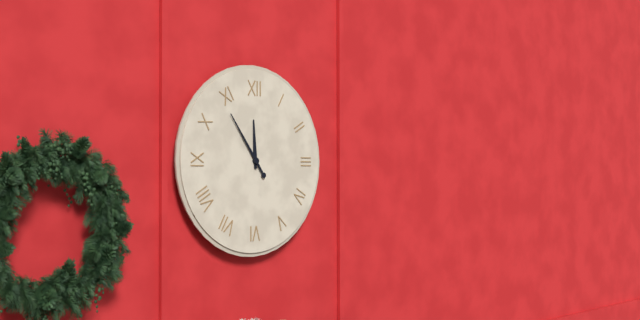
11:54
